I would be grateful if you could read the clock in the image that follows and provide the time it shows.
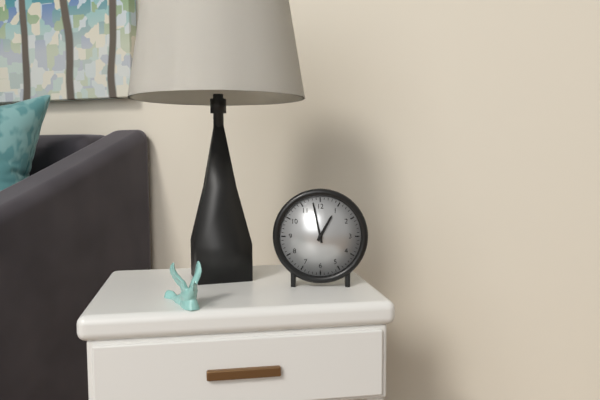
12:58
